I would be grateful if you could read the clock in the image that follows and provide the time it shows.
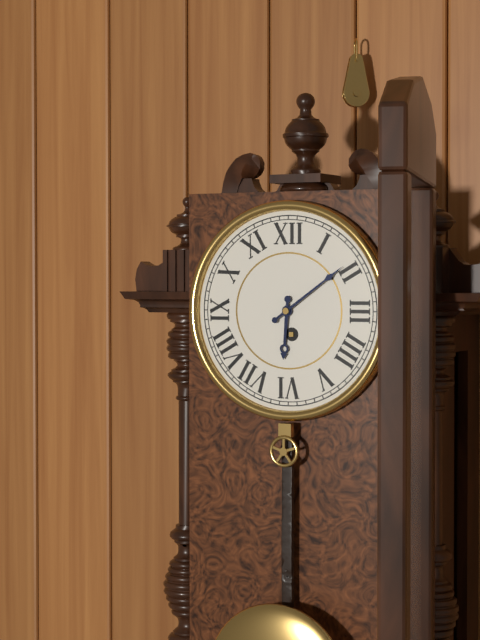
6:09
